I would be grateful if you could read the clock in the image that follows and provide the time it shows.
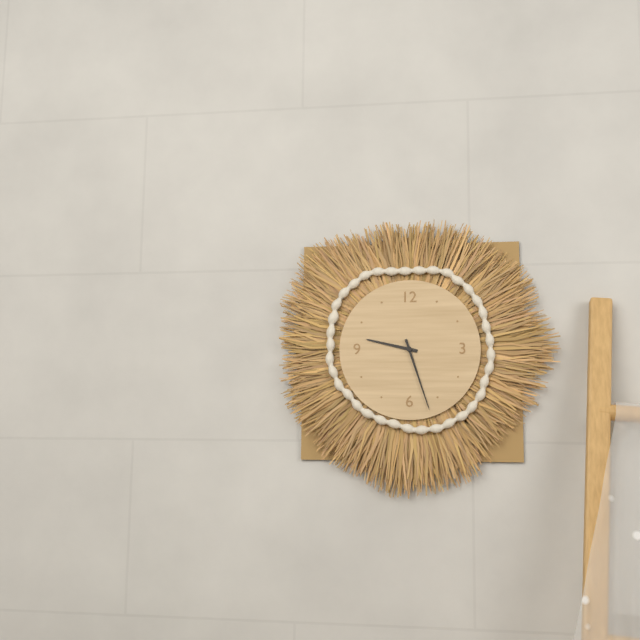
9:27
